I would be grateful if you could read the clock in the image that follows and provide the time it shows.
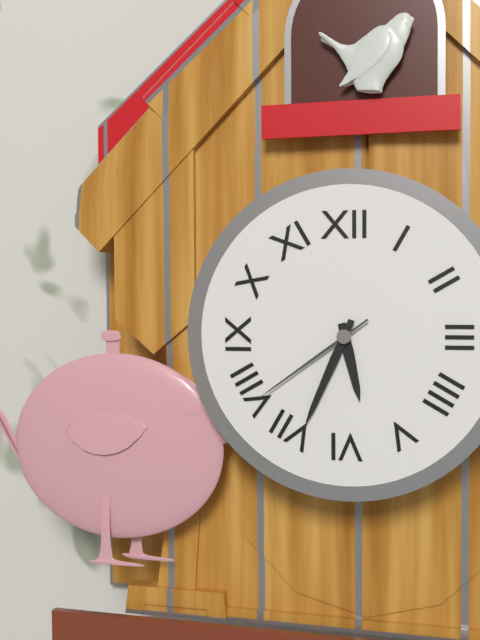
5:34:39
